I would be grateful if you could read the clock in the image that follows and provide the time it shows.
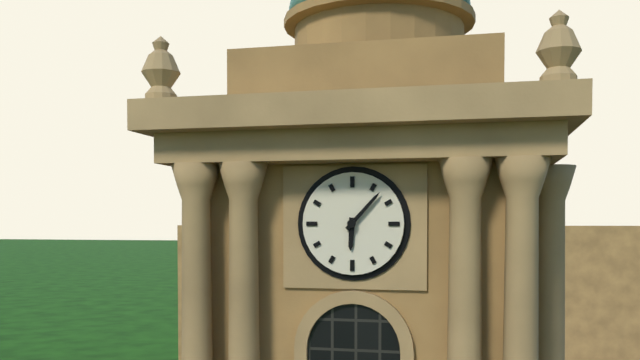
6:07
